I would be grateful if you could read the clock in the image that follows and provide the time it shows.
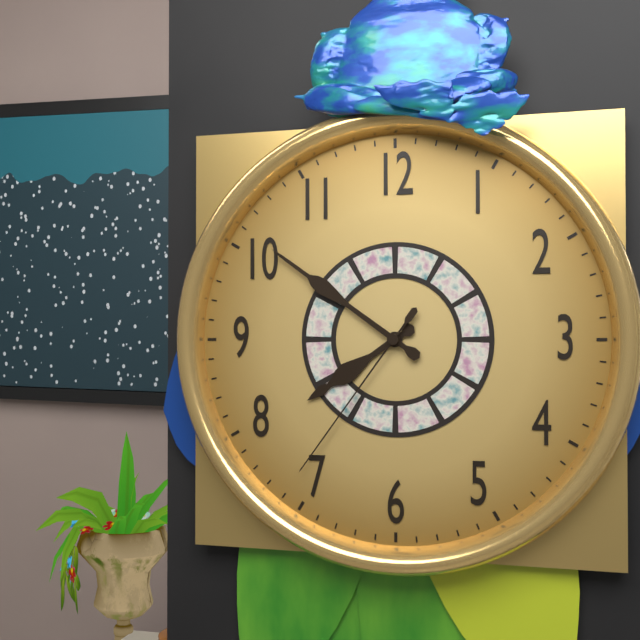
7:51:36
